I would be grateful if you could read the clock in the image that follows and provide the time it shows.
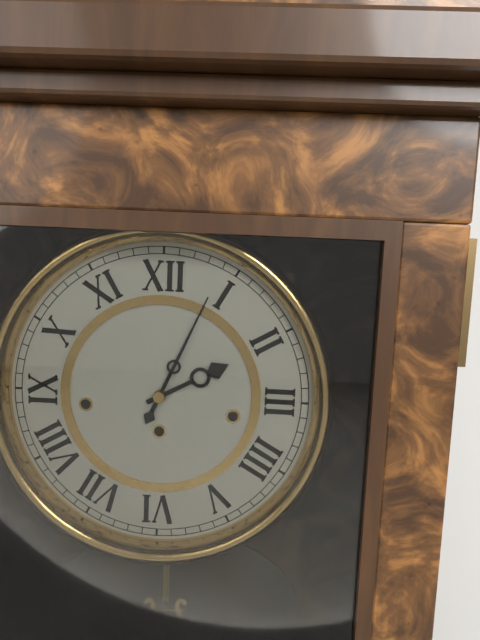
2:04
